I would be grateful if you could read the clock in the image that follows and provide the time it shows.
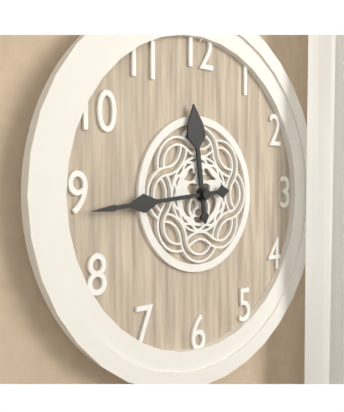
11:44
